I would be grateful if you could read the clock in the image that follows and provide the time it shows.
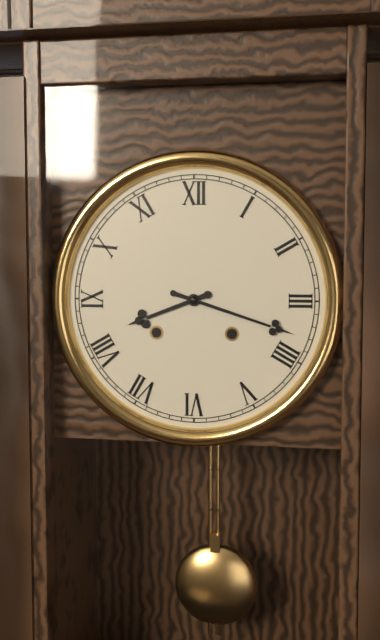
8:18
